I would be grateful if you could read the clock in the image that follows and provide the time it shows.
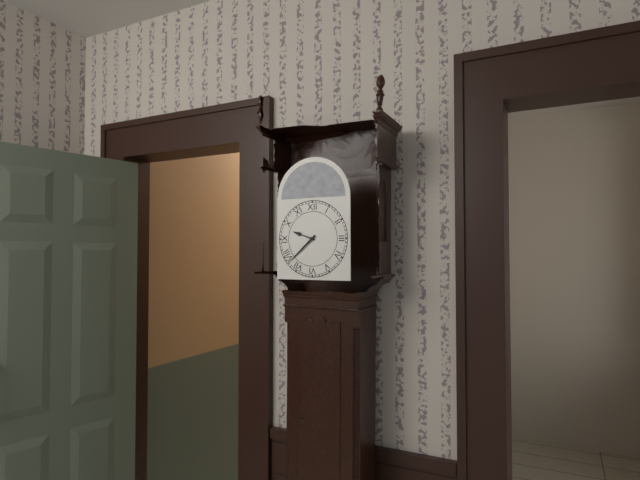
9:38
